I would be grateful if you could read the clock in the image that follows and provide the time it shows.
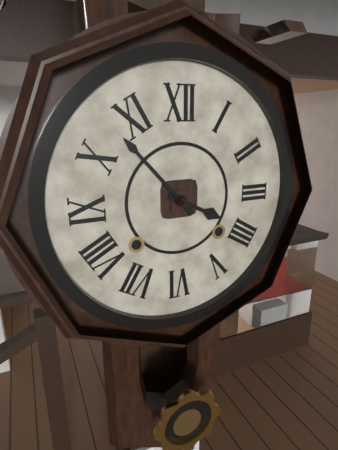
3:53
